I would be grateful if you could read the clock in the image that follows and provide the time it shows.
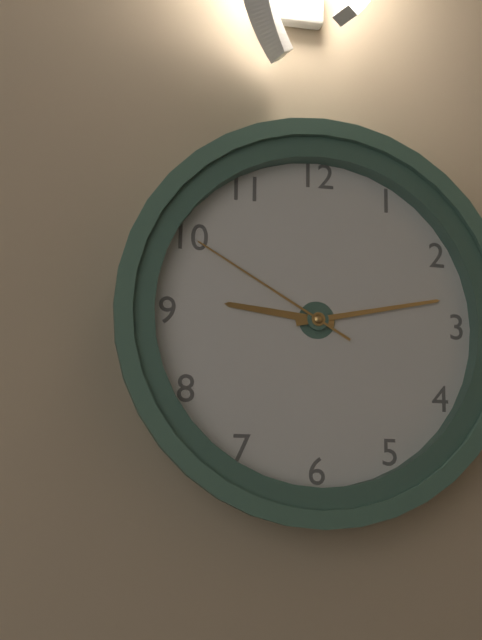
9:13:50
